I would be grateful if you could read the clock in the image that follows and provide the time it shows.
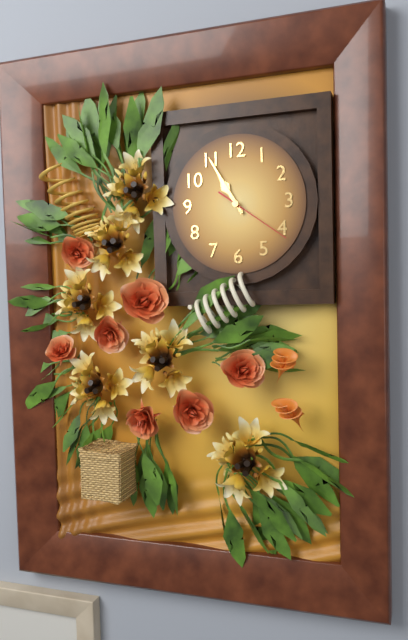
10:55:21
